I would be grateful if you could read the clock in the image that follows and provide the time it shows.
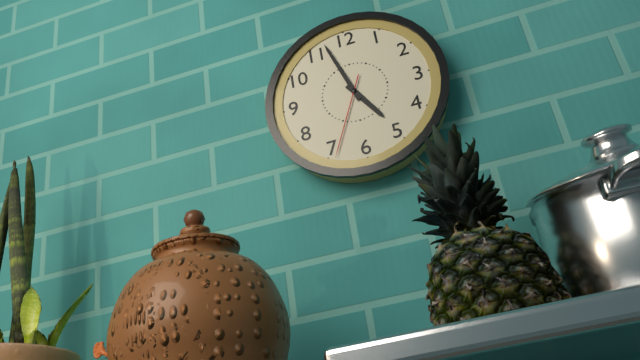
4:57:34
